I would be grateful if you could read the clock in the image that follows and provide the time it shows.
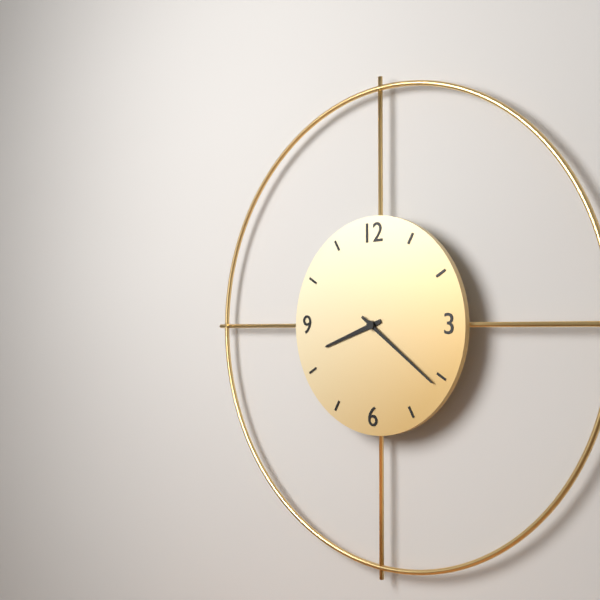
8:21
